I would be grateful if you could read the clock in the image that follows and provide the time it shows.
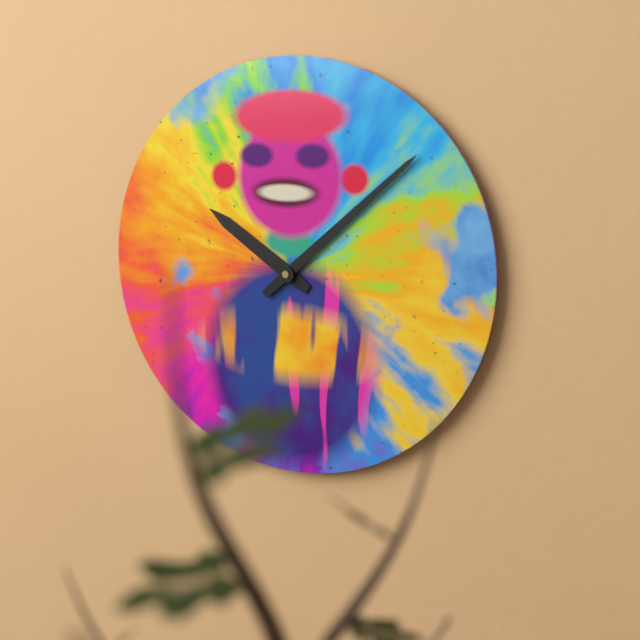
10:08
